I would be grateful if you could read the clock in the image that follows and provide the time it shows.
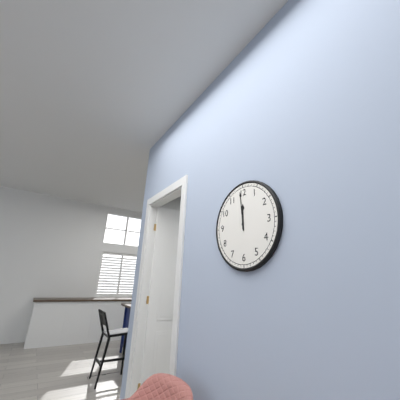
11:59
